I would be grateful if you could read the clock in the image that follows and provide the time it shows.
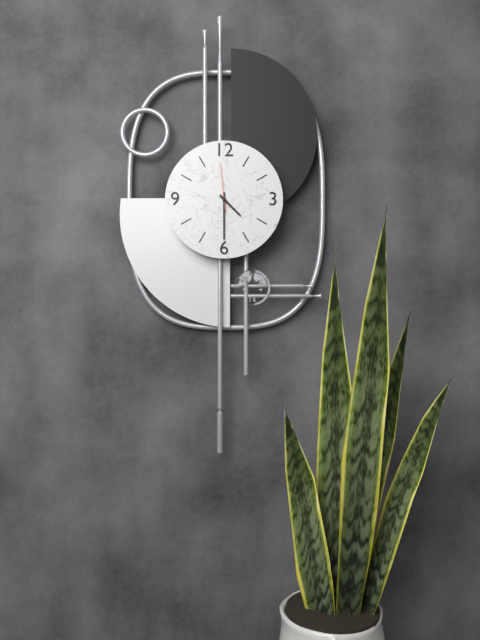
4:30
